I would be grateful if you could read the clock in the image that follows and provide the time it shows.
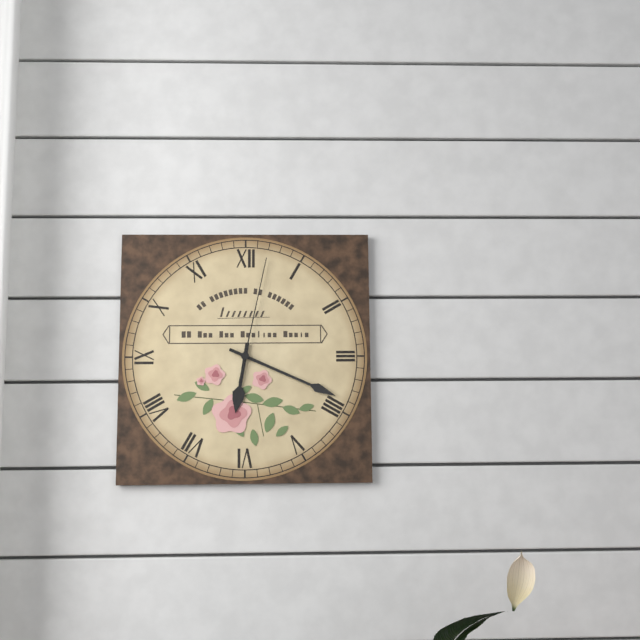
6:19:02
